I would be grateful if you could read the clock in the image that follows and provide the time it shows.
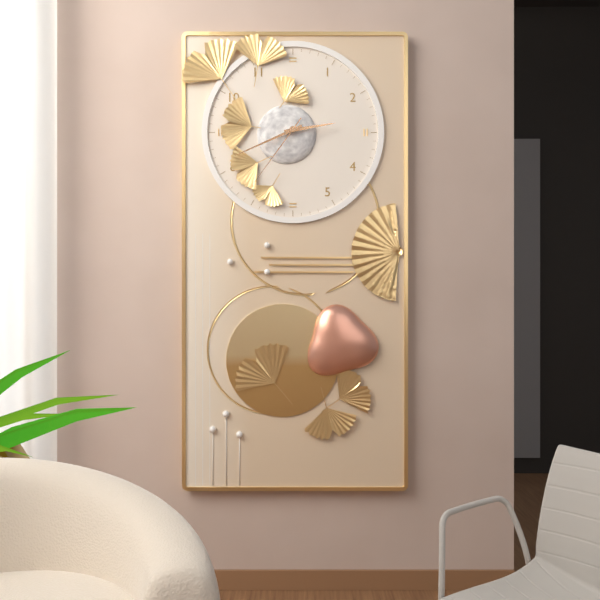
2:41:36
